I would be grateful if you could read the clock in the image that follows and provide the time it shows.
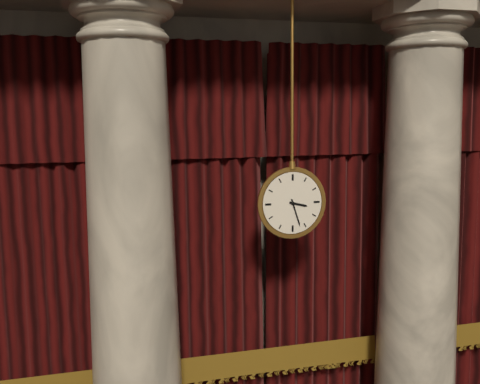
3:27
